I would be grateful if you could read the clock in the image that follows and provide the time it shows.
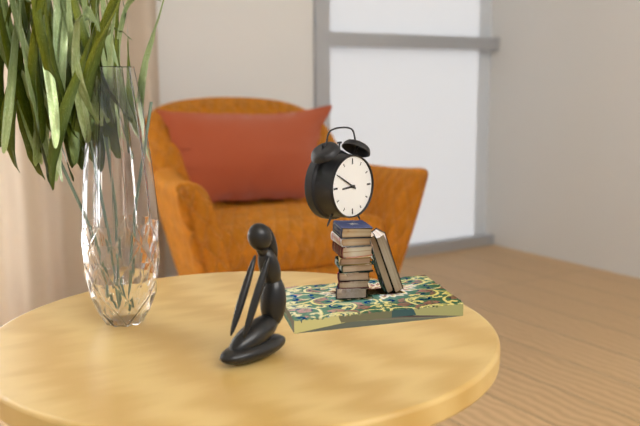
8:50
